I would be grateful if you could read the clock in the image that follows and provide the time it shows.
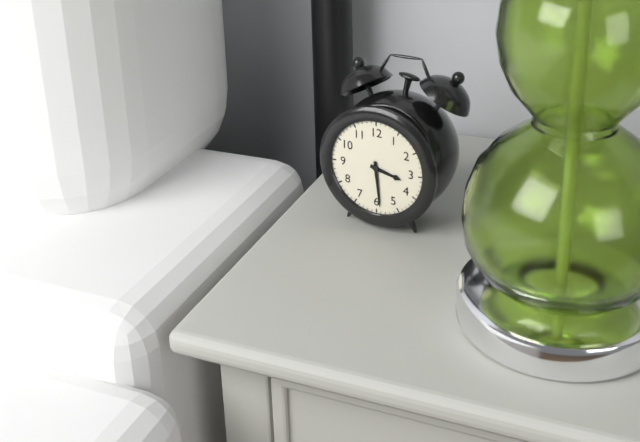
3:29
